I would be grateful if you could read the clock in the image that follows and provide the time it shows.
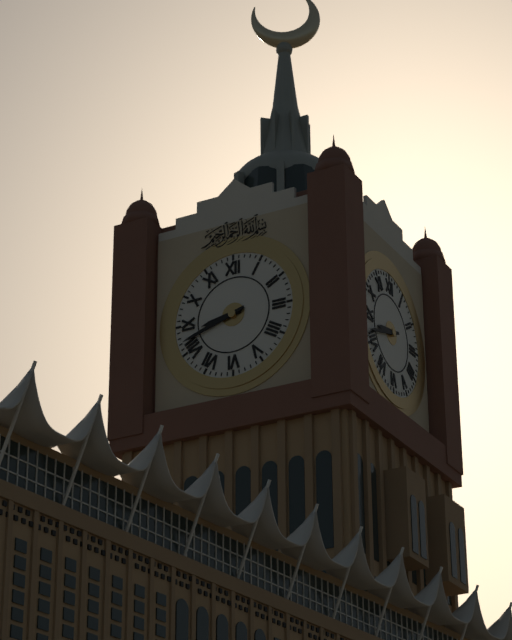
8:42
